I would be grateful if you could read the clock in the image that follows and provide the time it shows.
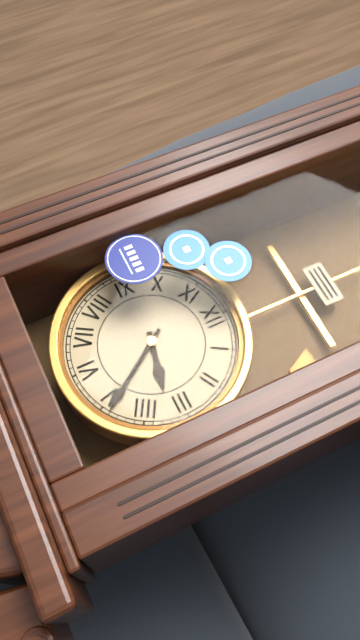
3:24
